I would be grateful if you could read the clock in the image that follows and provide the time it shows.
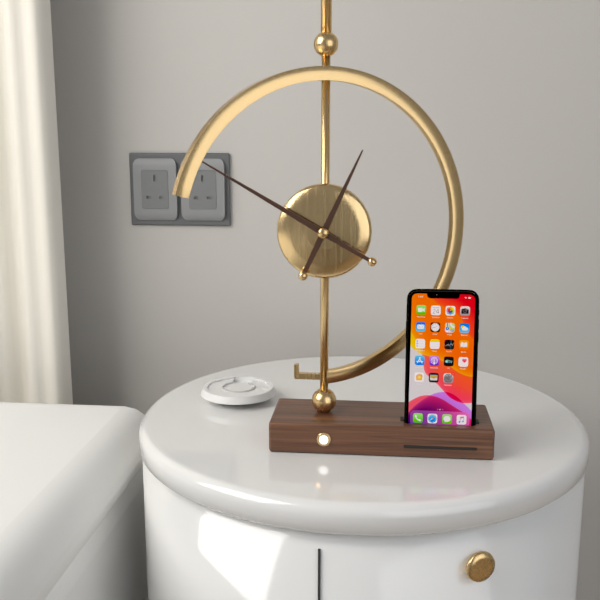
12:50
